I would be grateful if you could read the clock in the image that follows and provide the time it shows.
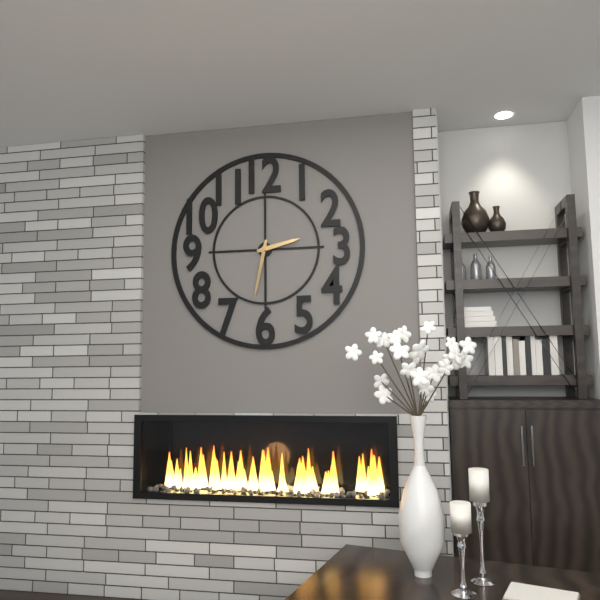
2:32
